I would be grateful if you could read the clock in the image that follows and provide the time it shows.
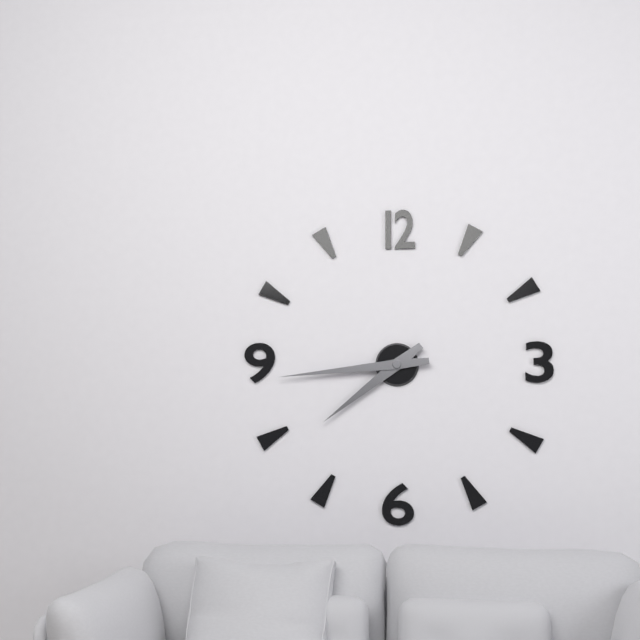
7:44
